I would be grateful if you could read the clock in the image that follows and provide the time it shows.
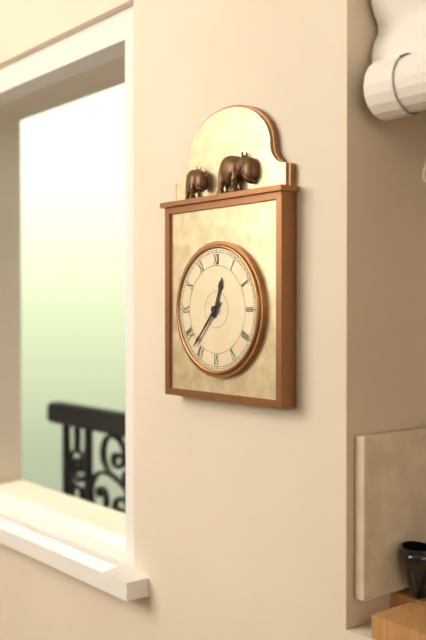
12:37
